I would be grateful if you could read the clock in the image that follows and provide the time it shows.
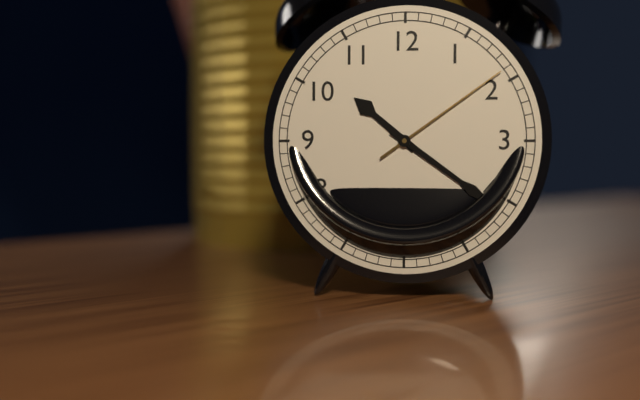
10:21:09
